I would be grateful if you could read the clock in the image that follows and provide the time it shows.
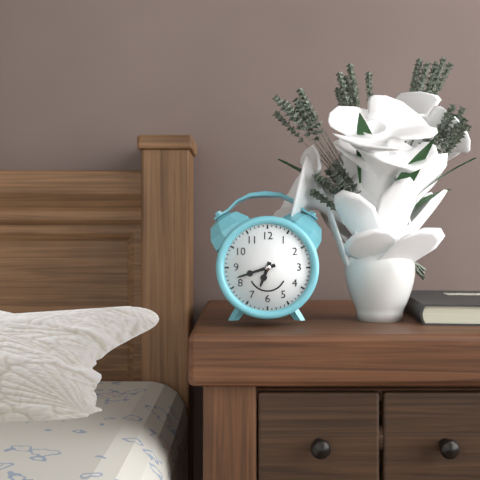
6:42
